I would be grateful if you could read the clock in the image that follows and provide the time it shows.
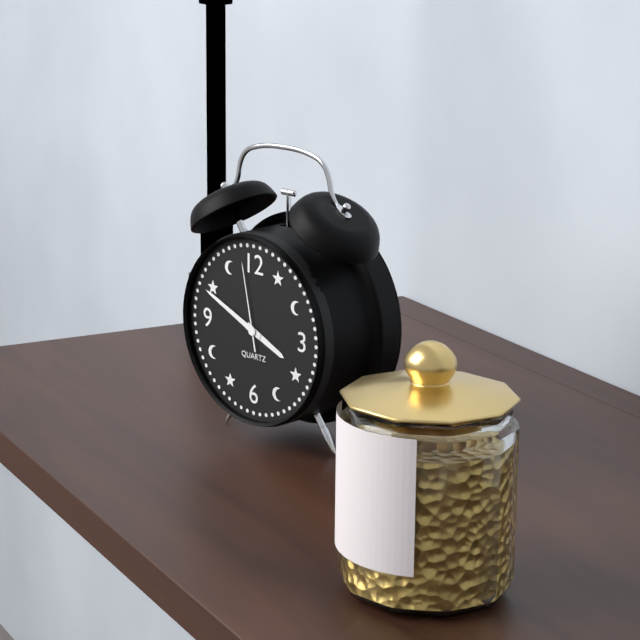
3:49:58
